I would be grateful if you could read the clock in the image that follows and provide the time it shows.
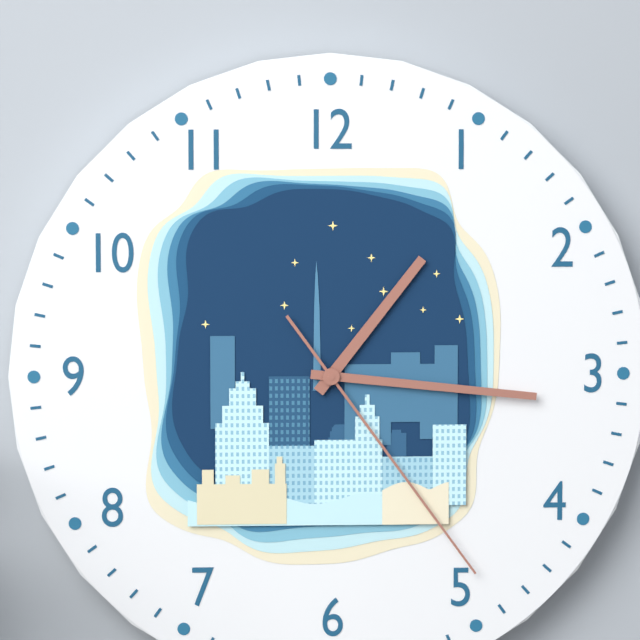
1:16:24
